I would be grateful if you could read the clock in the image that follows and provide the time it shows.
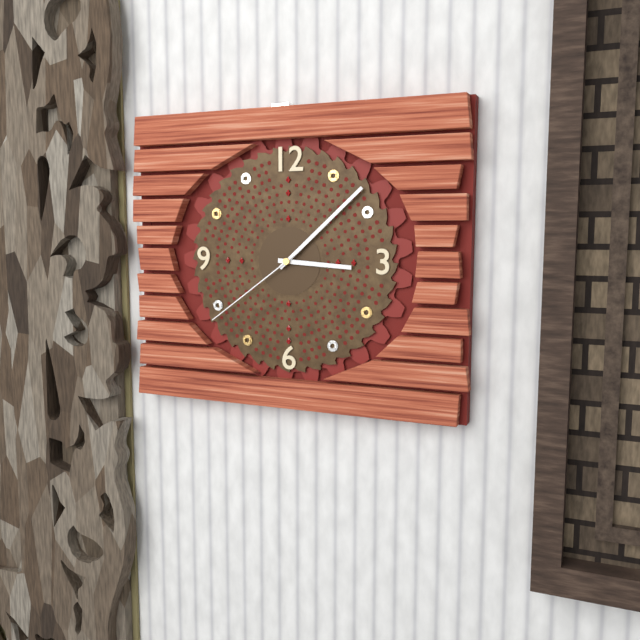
3:08:39
